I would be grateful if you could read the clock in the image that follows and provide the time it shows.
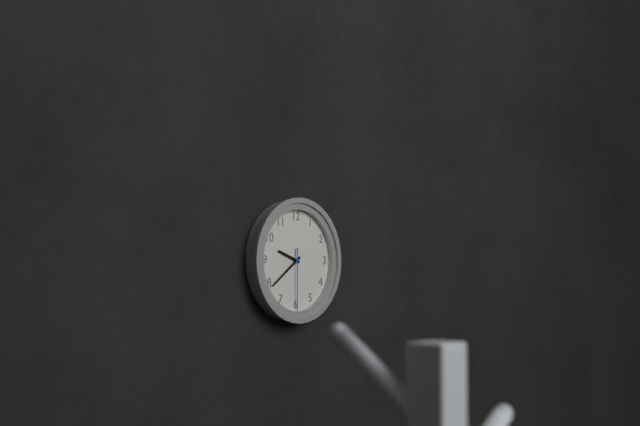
9:39:30
